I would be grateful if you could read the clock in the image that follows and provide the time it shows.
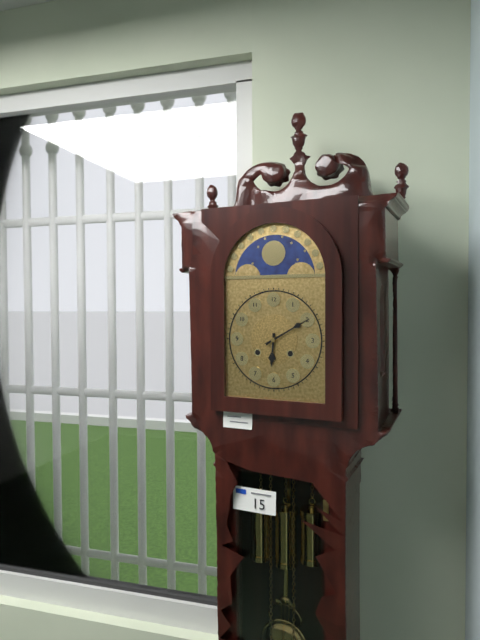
6:10
